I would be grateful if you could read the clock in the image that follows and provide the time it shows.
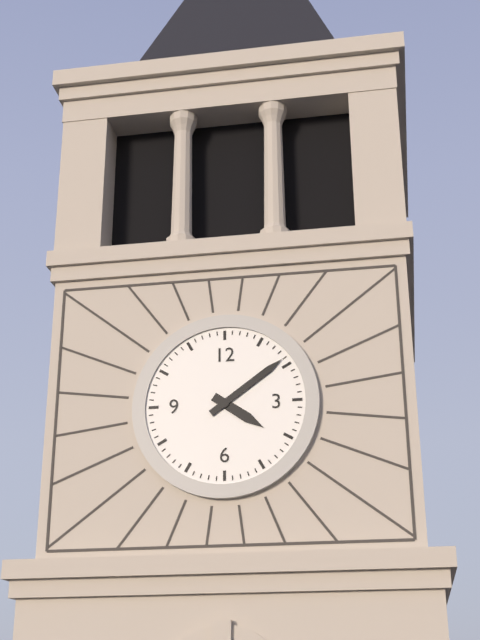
4:09
